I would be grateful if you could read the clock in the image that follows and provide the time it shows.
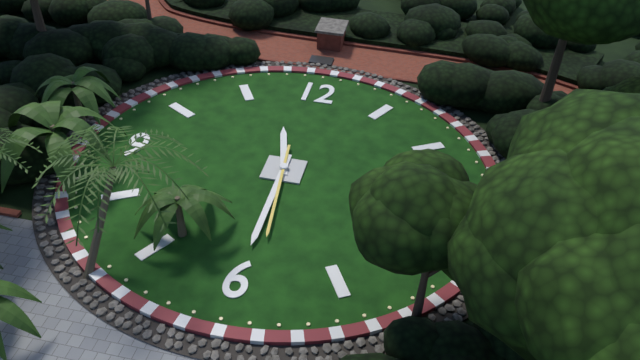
11:30:29
